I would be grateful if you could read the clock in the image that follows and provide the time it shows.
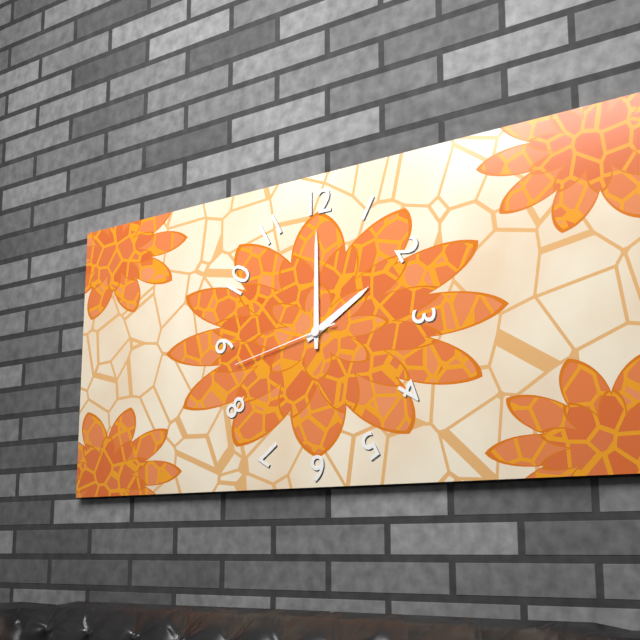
2:00:43
